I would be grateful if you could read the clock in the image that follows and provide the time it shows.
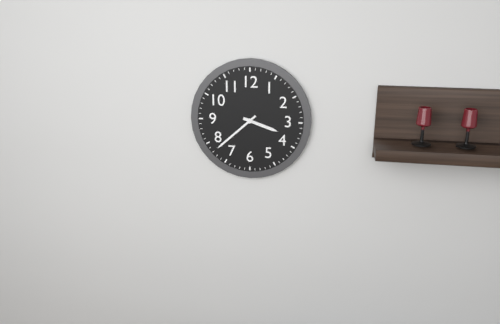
3:38
